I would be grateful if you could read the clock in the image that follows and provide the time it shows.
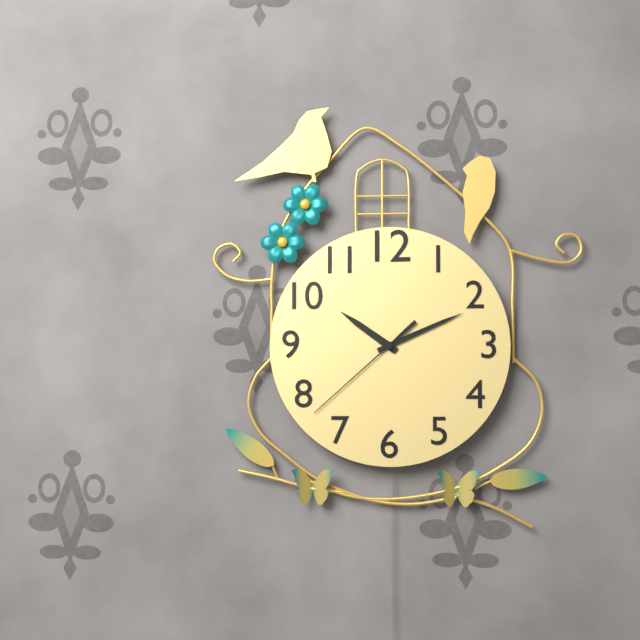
10:11:38
